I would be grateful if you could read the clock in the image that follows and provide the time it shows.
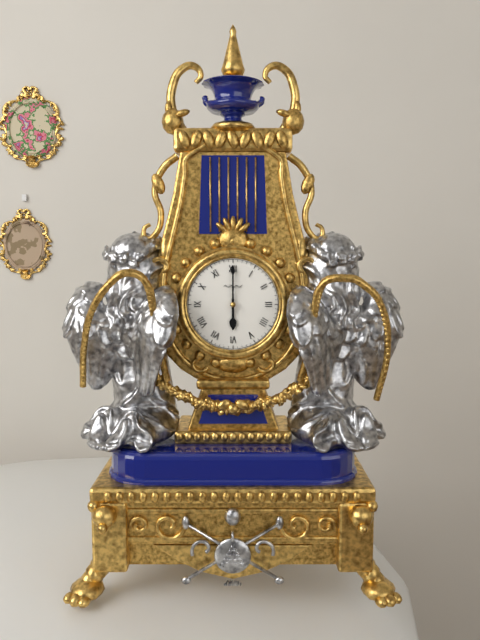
6:00
